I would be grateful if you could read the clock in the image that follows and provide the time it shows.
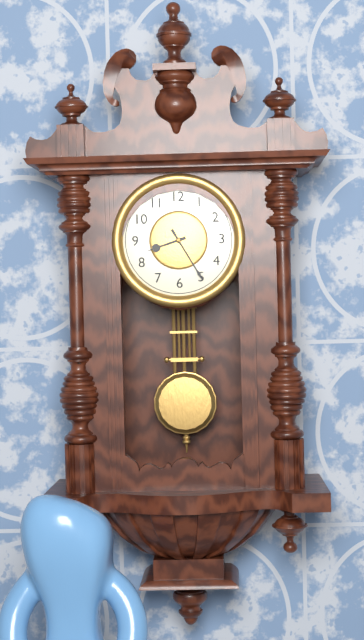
8:25
